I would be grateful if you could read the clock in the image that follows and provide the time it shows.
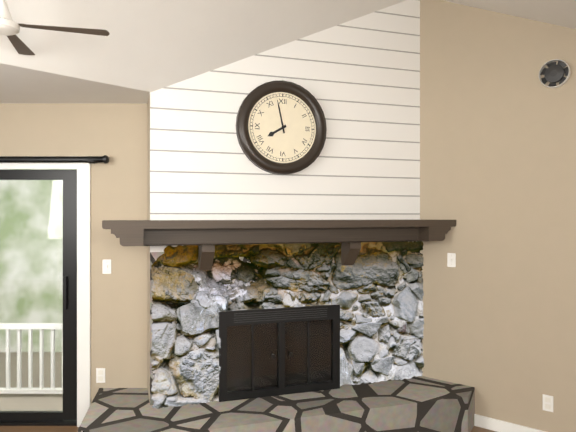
7:58
